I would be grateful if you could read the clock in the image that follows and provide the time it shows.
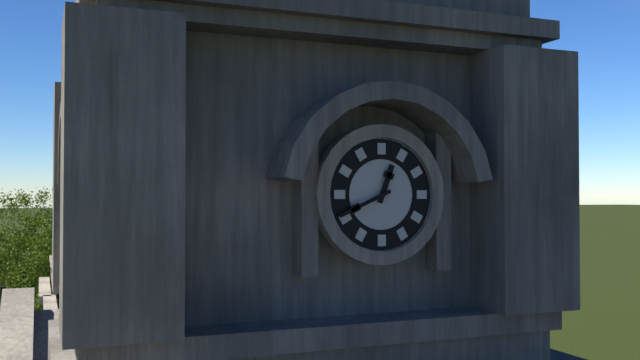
12:41
